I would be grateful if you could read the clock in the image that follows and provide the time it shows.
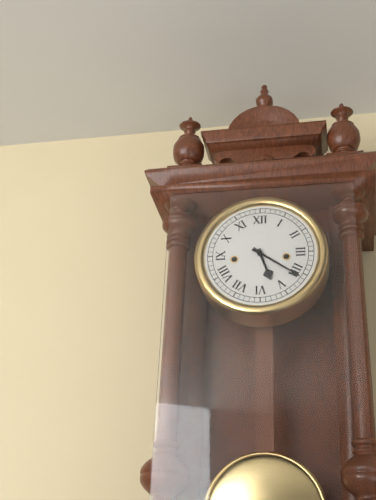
5:21
